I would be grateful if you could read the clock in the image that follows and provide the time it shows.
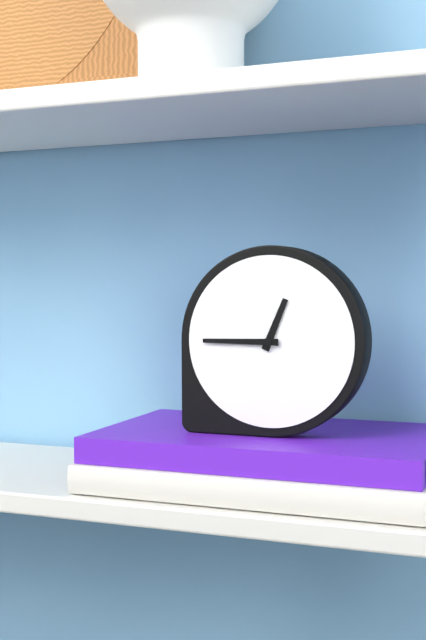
12:45
